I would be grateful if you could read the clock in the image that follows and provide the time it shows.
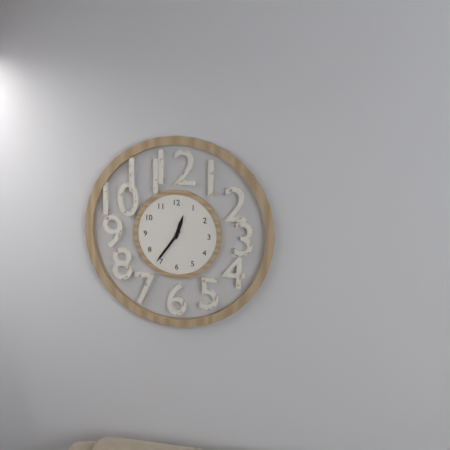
12:36
